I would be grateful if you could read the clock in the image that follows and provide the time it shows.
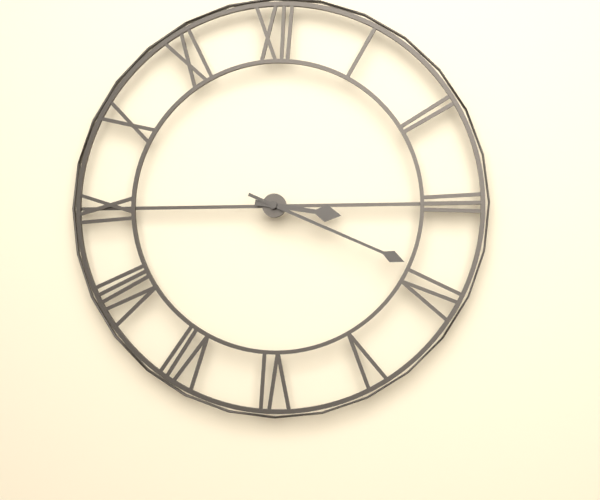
3:19
